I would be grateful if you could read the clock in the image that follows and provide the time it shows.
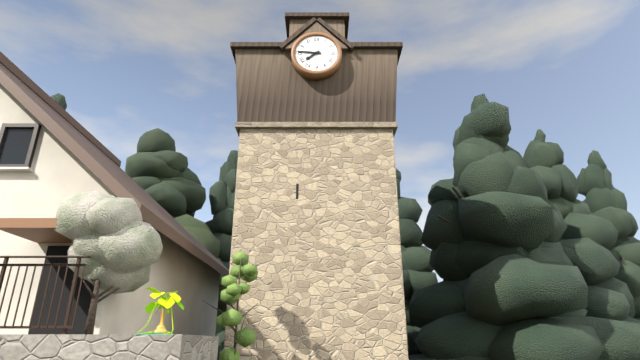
7:46
